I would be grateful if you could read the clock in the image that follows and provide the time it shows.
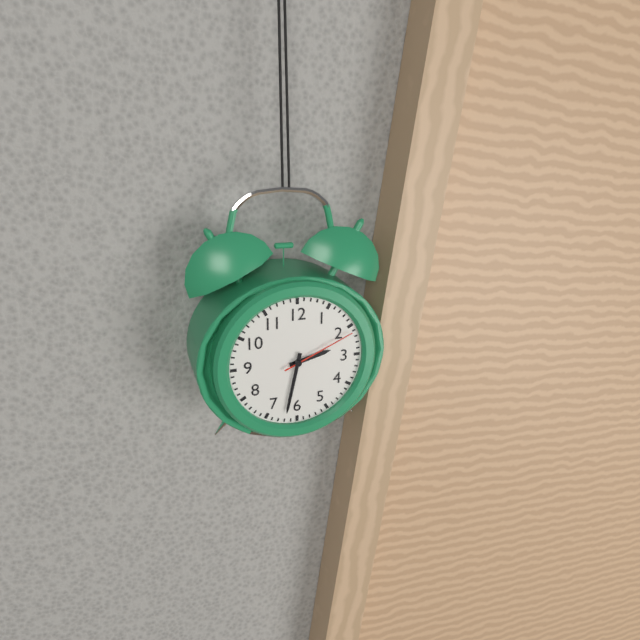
2:32:11
